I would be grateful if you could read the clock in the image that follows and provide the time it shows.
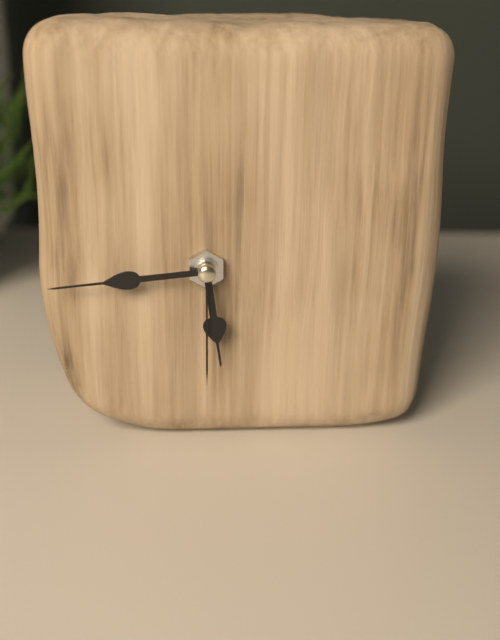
5:44:30
